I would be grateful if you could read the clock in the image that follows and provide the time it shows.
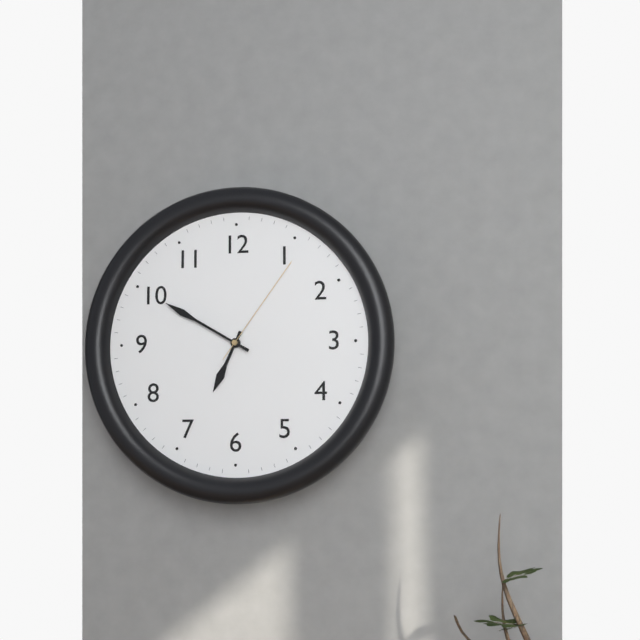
6:50:06
